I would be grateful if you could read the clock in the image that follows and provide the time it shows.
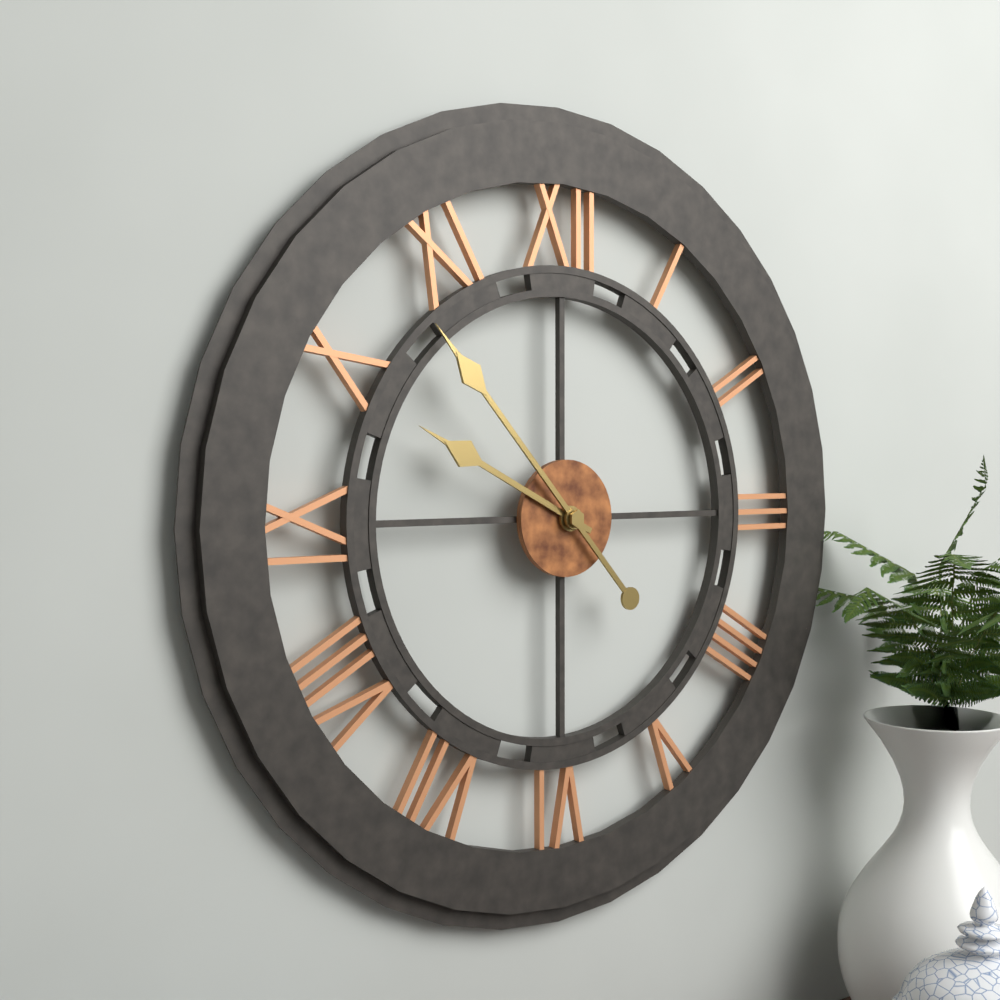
9:53
